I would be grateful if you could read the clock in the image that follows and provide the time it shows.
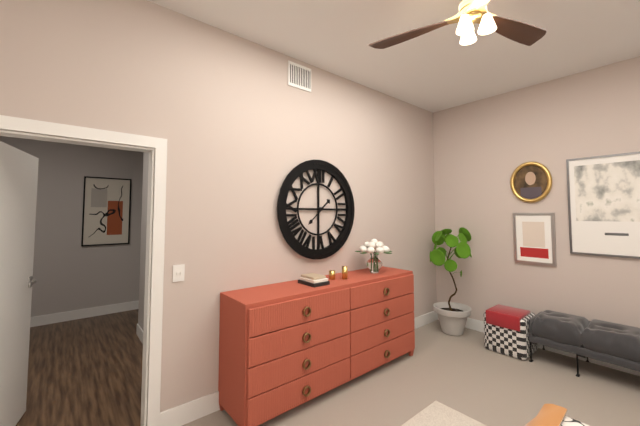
1:38
